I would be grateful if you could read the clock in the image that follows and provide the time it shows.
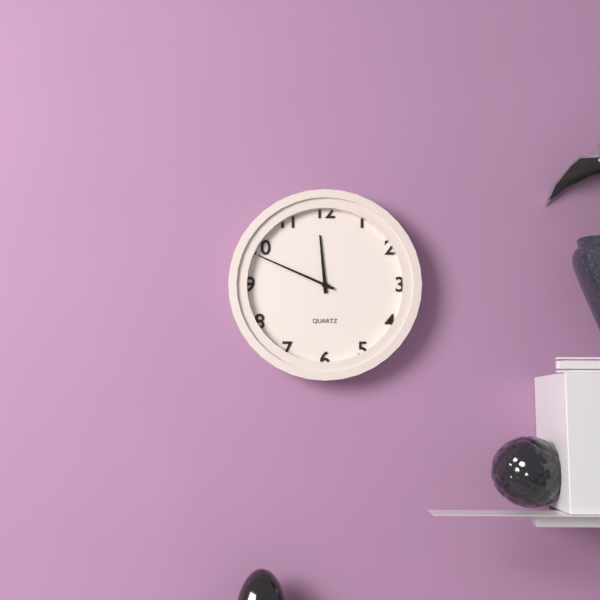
11:49
